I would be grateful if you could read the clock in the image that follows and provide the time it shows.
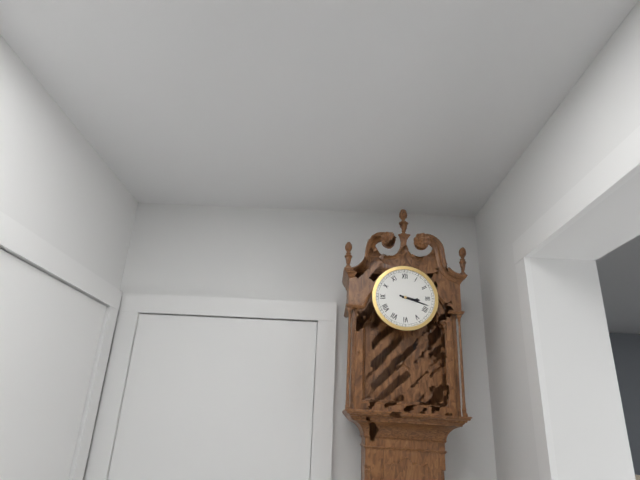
3:18
